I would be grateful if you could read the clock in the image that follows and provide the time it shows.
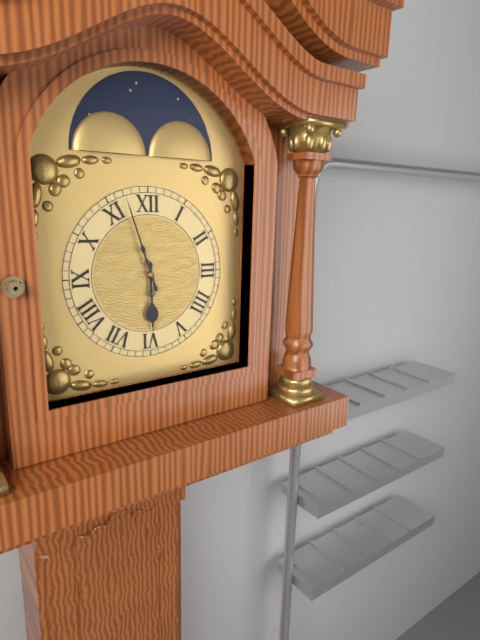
5:57
